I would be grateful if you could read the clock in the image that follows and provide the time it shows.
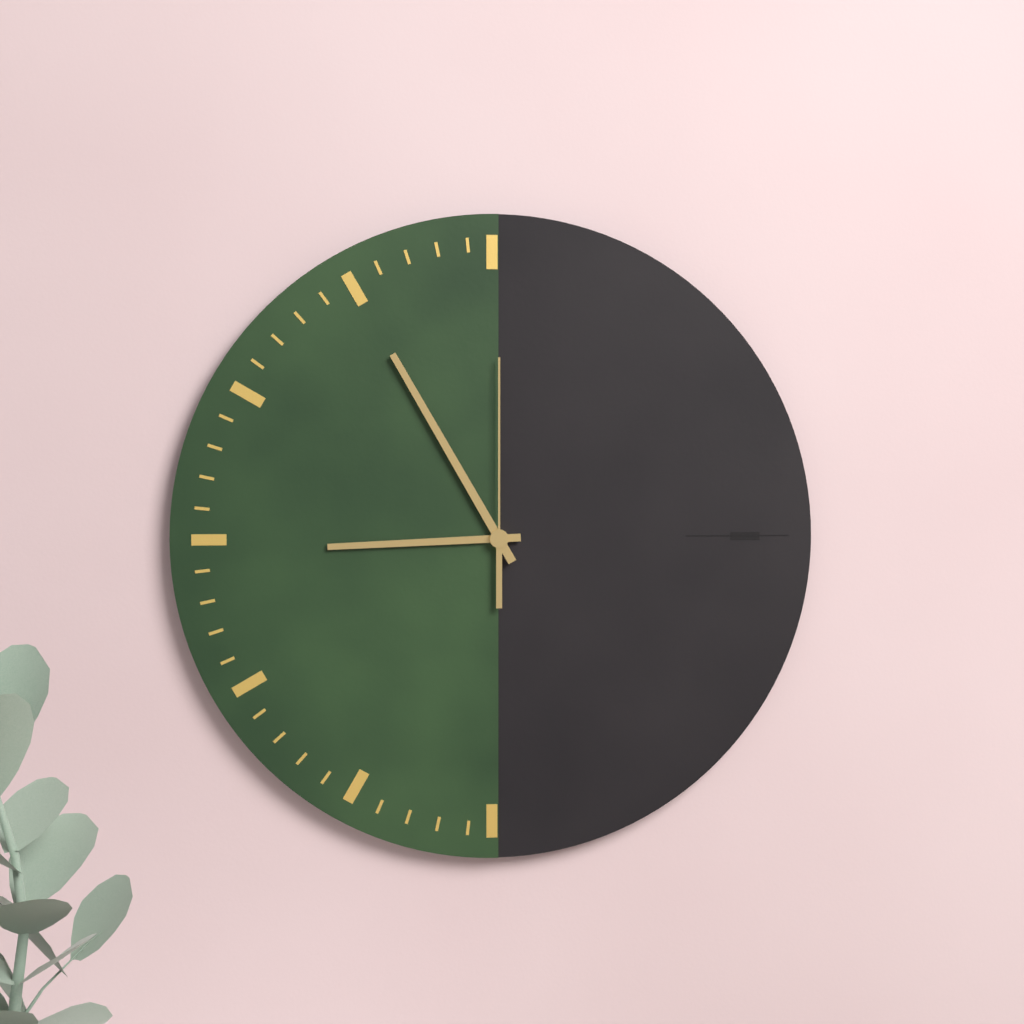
8:55:00
